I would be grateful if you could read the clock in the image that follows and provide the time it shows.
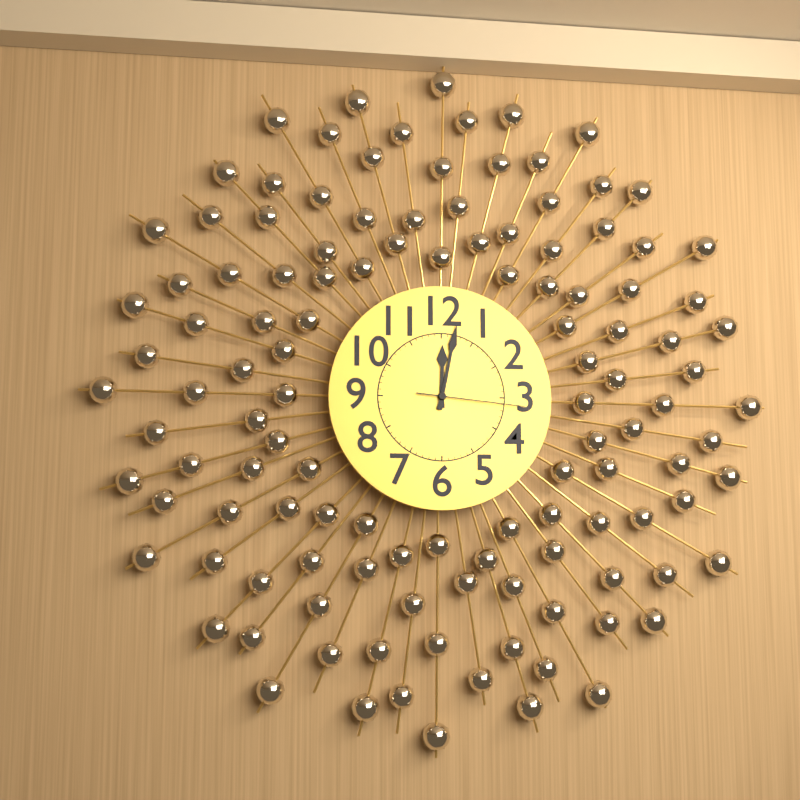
12:02:16
